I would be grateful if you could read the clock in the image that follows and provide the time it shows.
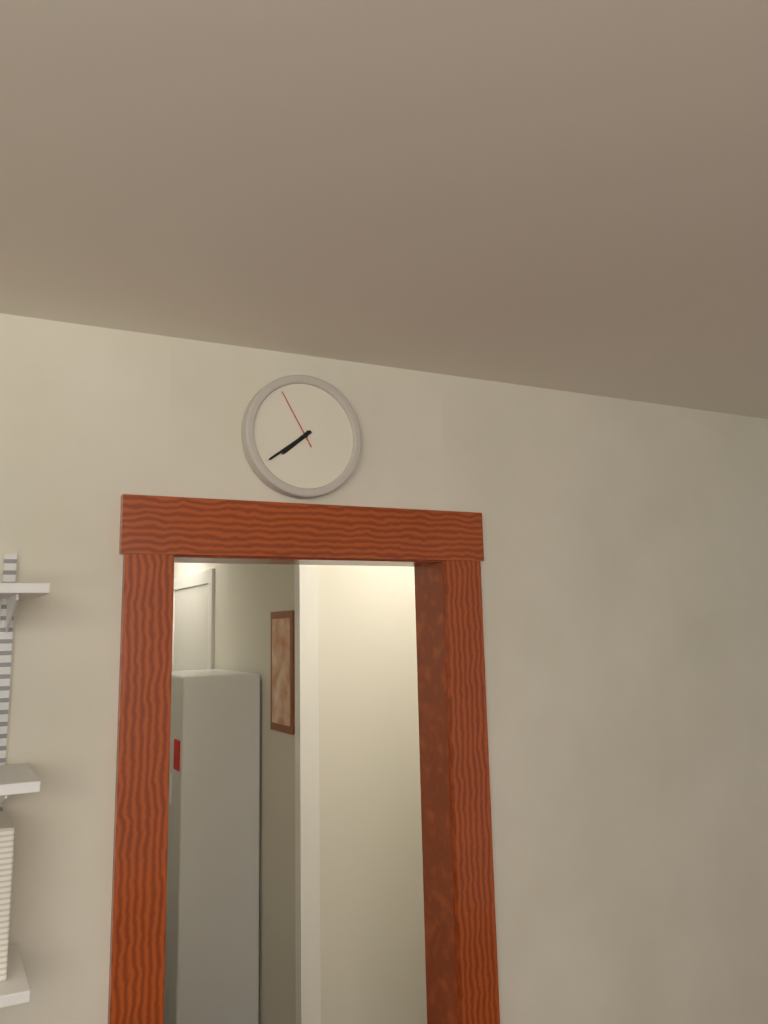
7:39:55
